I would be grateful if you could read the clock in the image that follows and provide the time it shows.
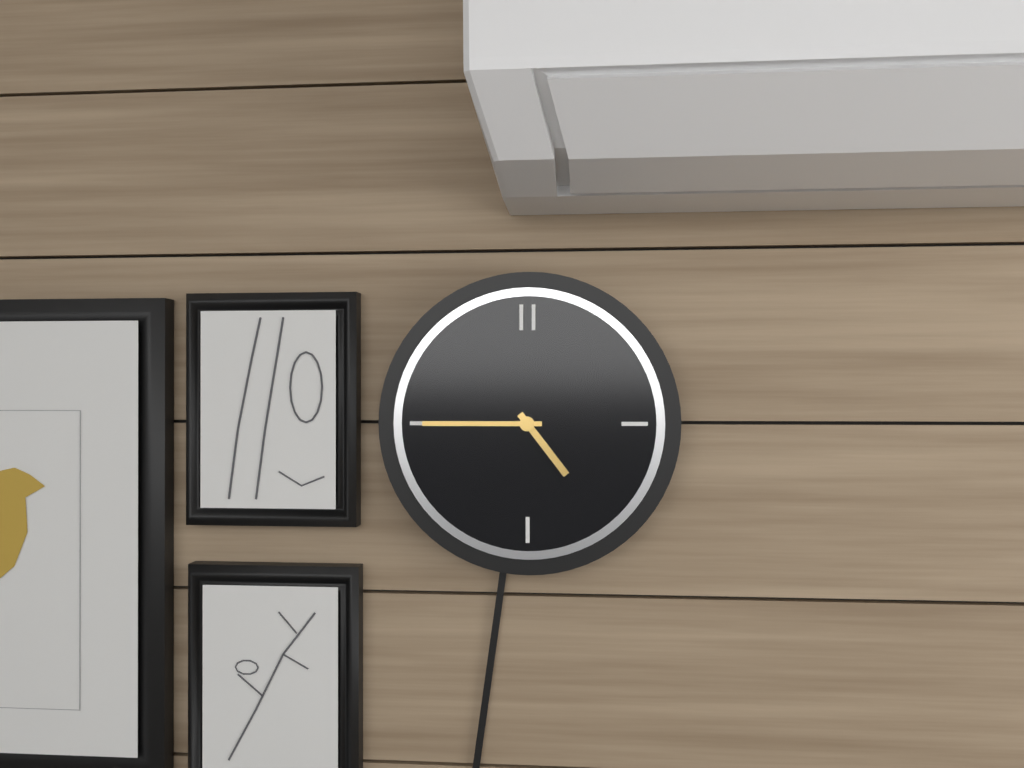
4:45
